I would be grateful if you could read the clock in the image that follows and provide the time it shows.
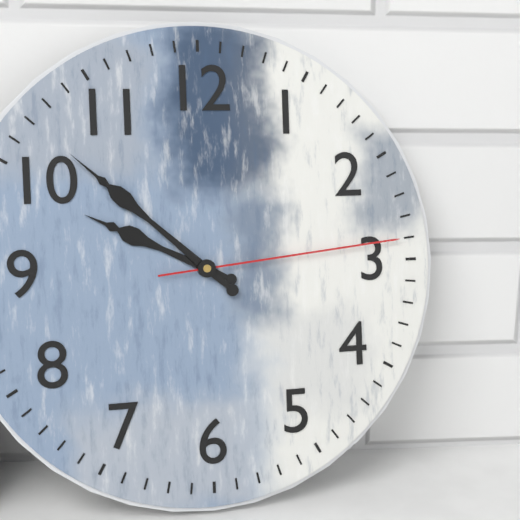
9:52:14
